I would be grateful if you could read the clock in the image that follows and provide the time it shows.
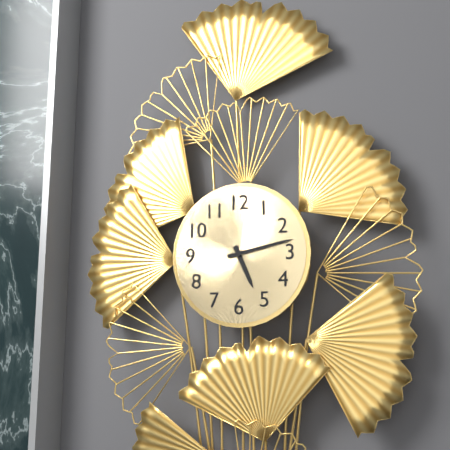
5:13
